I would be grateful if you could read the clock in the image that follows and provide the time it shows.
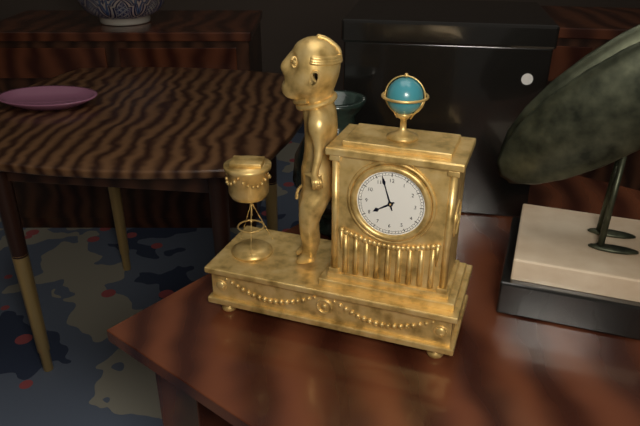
7:57
